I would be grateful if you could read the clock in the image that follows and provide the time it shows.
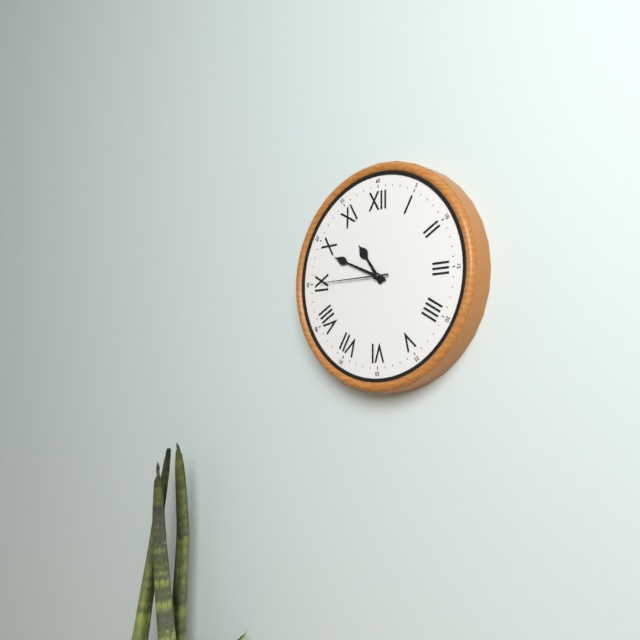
10:49:45
